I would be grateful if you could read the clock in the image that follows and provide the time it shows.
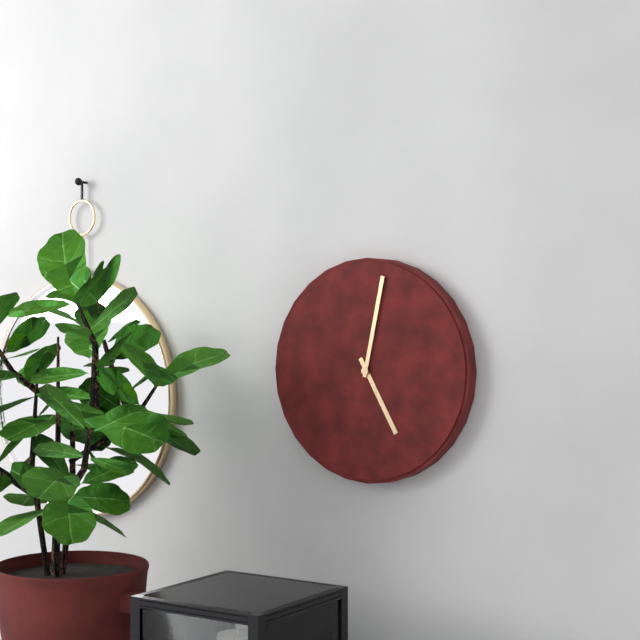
5:02
